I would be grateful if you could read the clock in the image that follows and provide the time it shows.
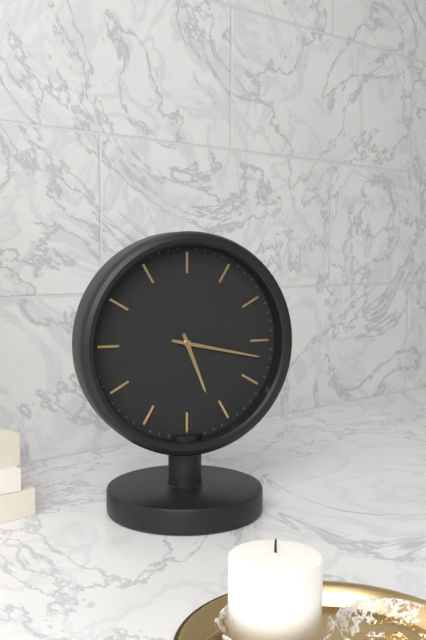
5:17
